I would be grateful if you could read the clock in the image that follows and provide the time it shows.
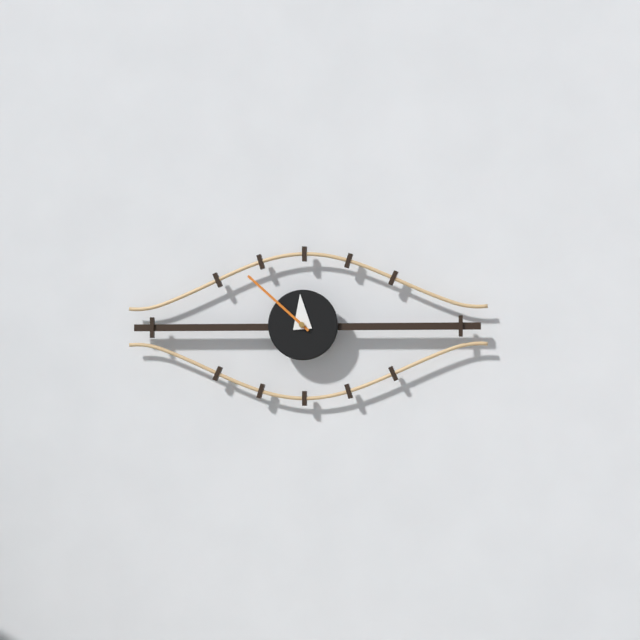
11:52
